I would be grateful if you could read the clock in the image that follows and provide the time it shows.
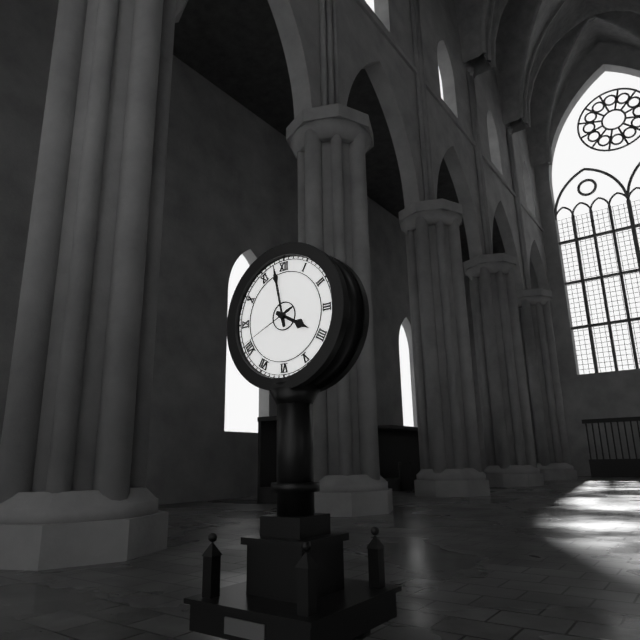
3:58:41
